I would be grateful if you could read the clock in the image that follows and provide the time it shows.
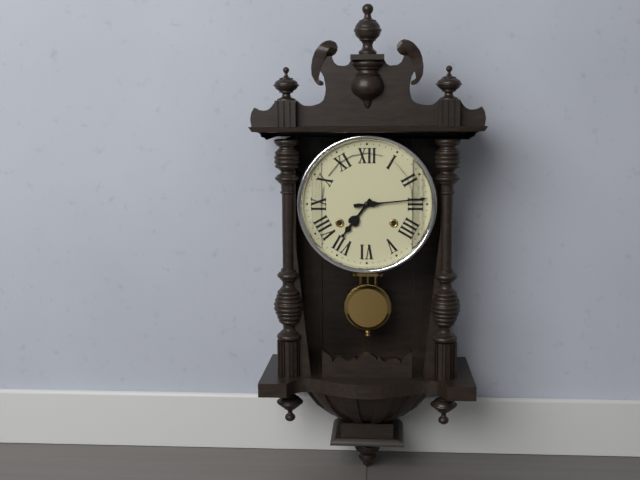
7:14
